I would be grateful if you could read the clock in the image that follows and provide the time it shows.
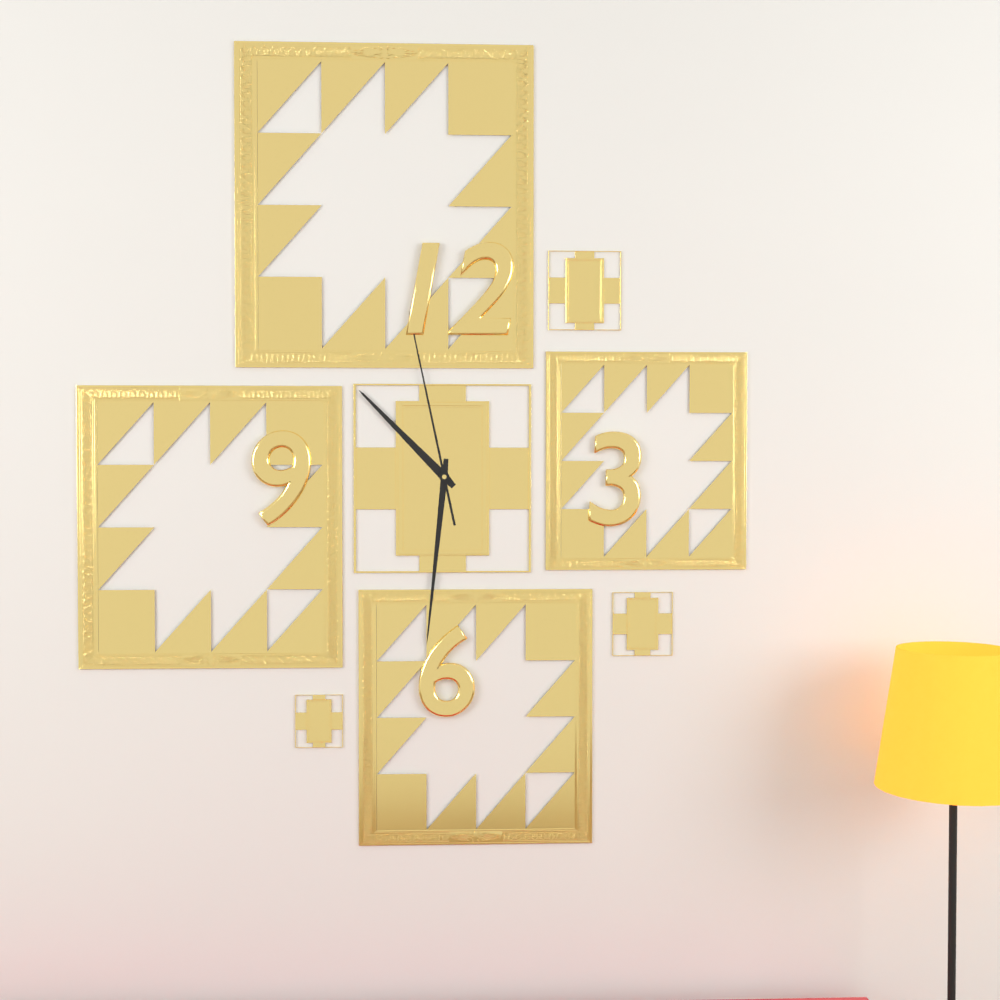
10:31:58
